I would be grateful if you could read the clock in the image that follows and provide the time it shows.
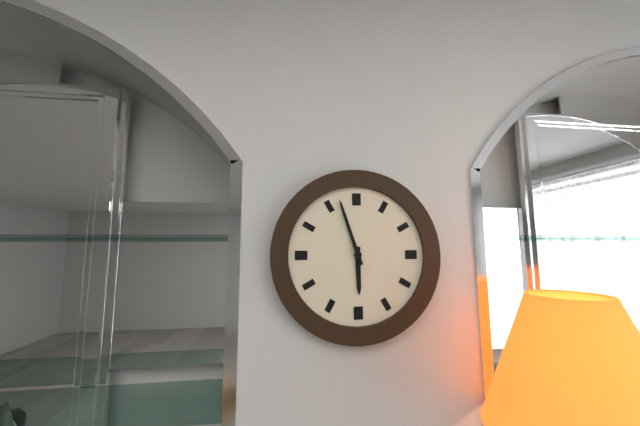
5:57
